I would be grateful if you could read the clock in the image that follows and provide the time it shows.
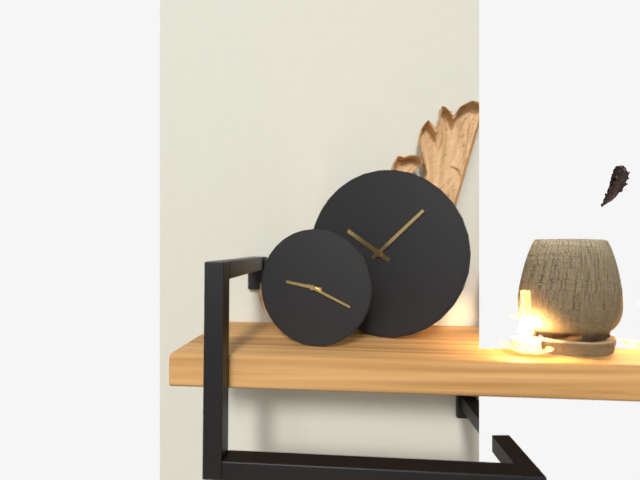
9:19
